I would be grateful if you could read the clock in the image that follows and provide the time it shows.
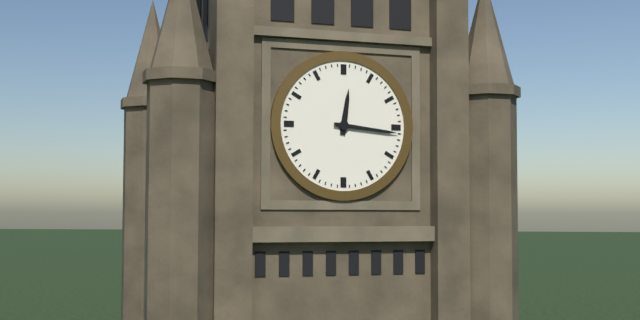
12:16
